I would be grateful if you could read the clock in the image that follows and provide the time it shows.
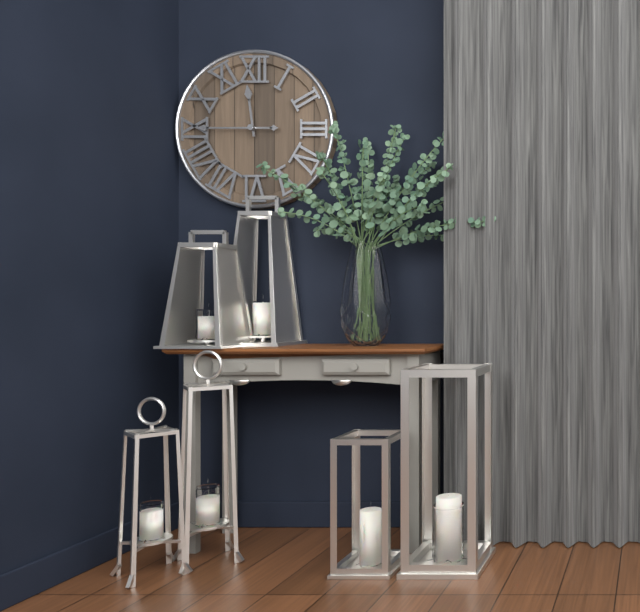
11:45
